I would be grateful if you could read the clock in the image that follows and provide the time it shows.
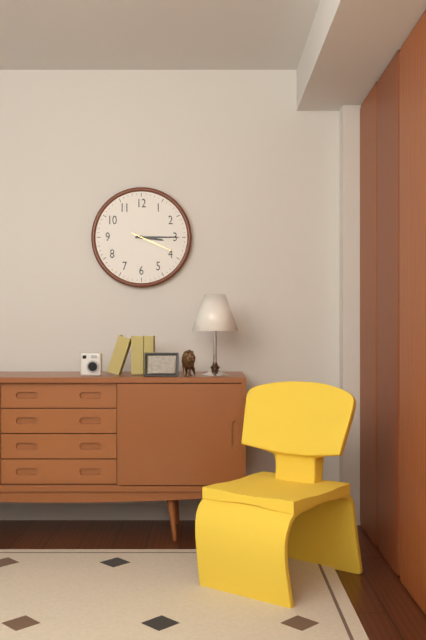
3:15
